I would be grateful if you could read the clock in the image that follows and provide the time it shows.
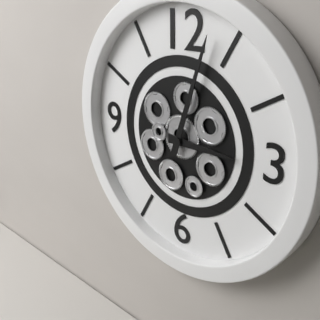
3:03
